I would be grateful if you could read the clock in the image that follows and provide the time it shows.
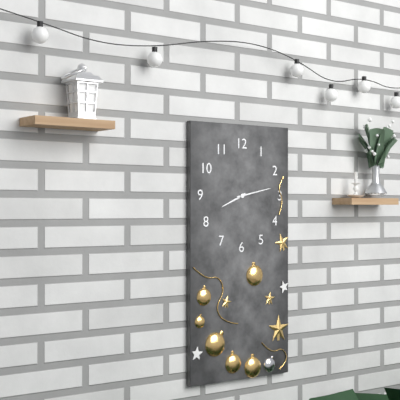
8:13
